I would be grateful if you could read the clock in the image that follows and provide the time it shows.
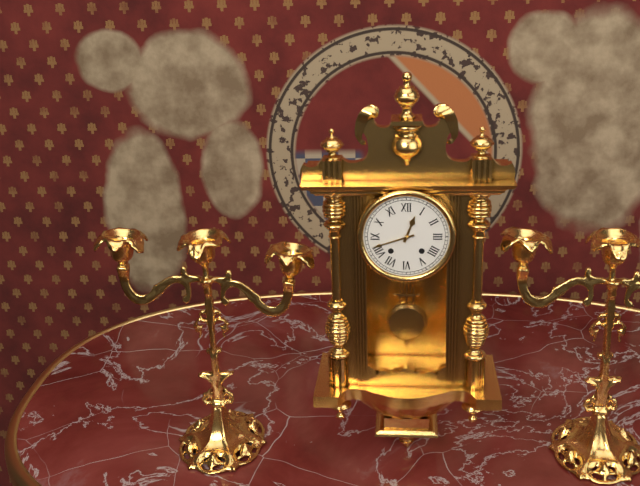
12:42
